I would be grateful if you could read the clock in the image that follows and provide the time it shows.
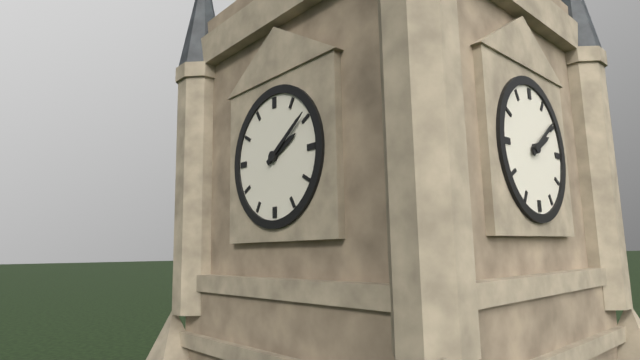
2:09
